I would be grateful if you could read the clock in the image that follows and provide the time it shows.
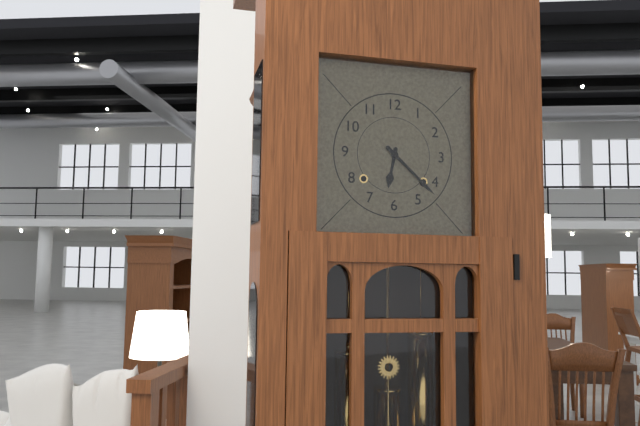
6:22
